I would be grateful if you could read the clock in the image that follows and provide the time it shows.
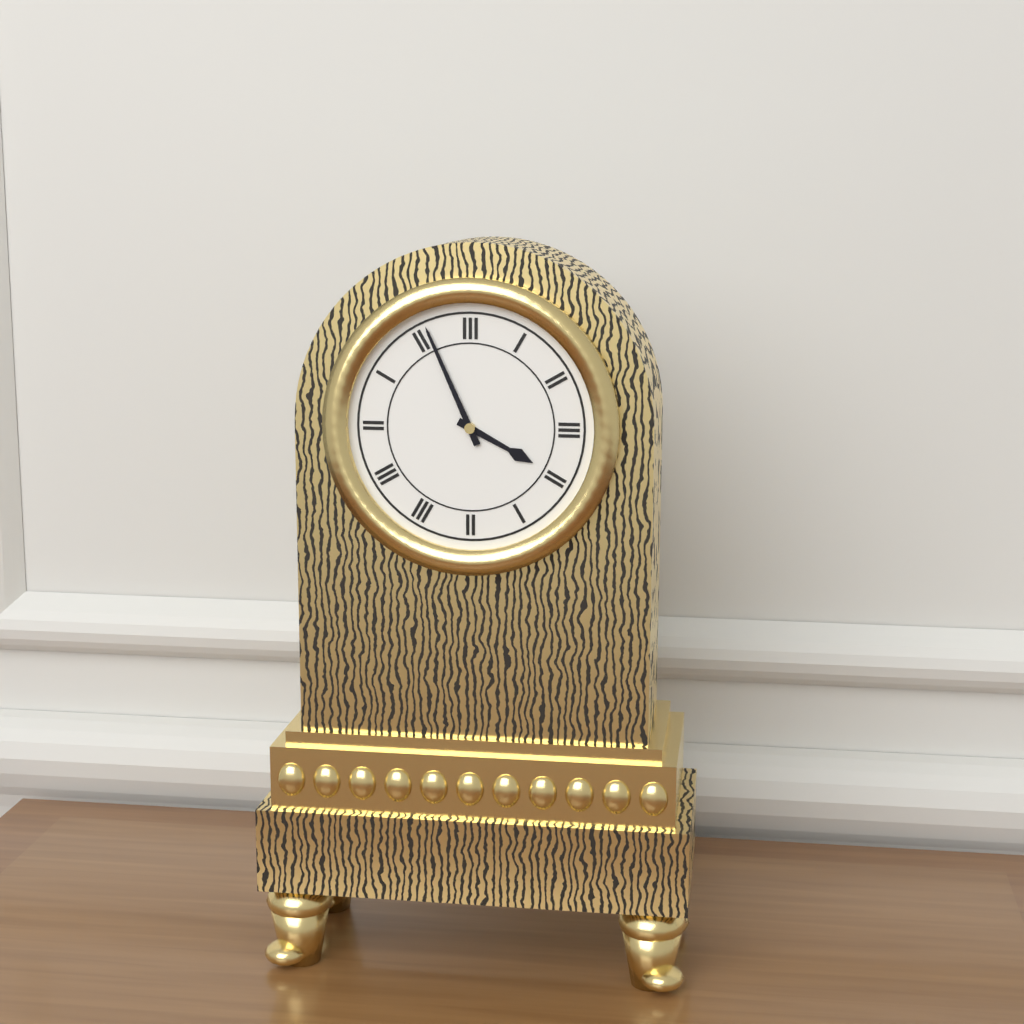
3:56
